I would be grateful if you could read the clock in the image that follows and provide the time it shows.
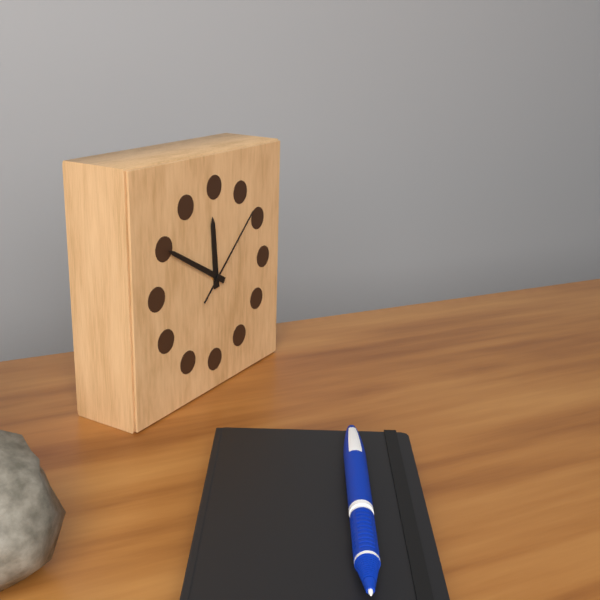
11:50:08
